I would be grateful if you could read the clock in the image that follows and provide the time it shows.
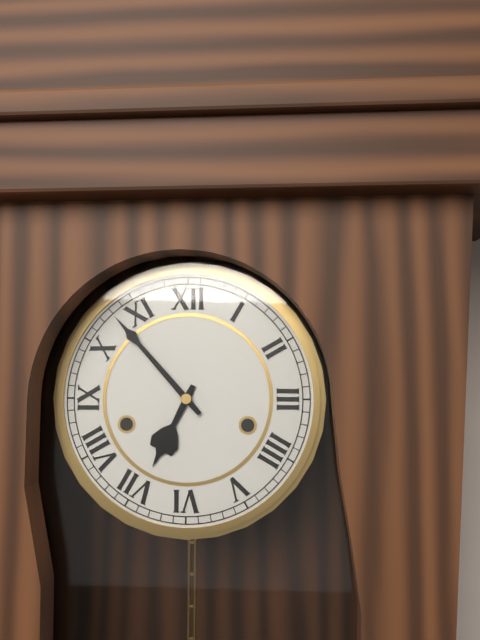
6:53
